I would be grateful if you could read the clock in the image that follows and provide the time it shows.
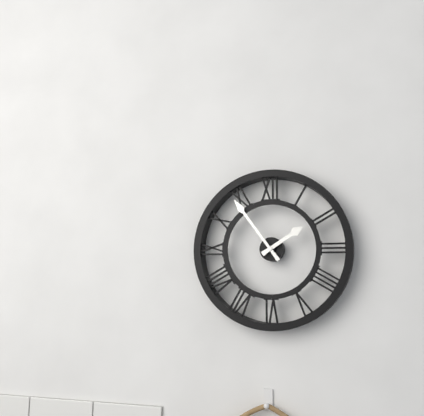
1:54
